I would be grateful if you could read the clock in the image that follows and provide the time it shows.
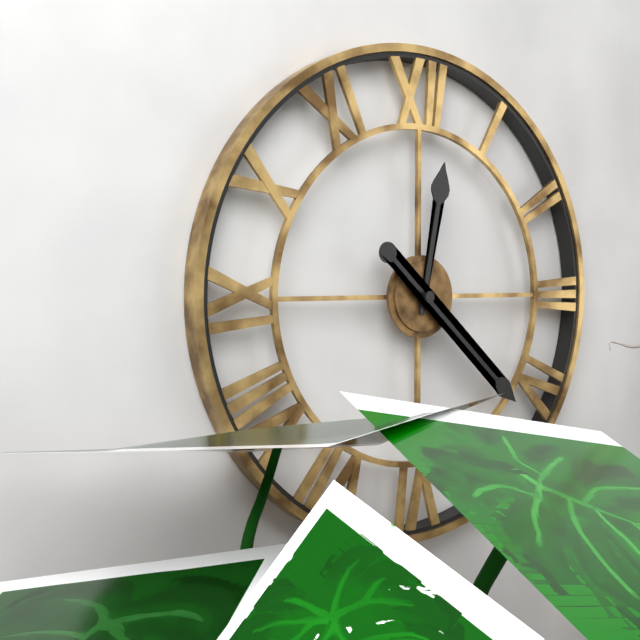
12:22
